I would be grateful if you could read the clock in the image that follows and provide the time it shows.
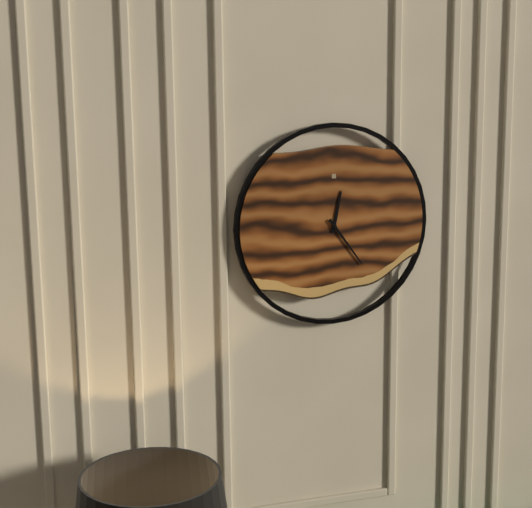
12:24
